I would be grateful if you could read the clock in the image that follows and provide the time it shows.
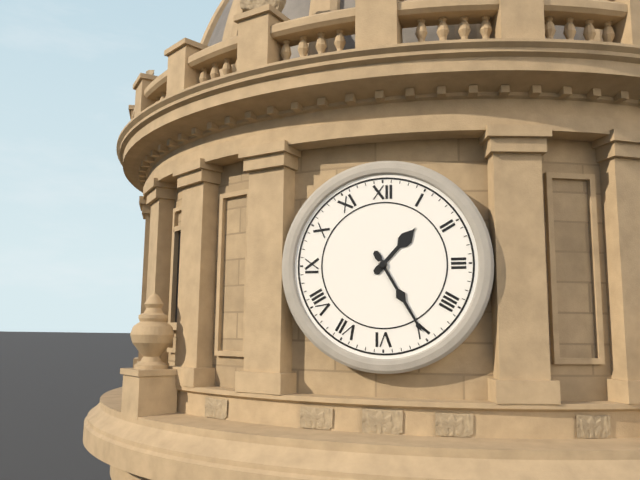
1:25
